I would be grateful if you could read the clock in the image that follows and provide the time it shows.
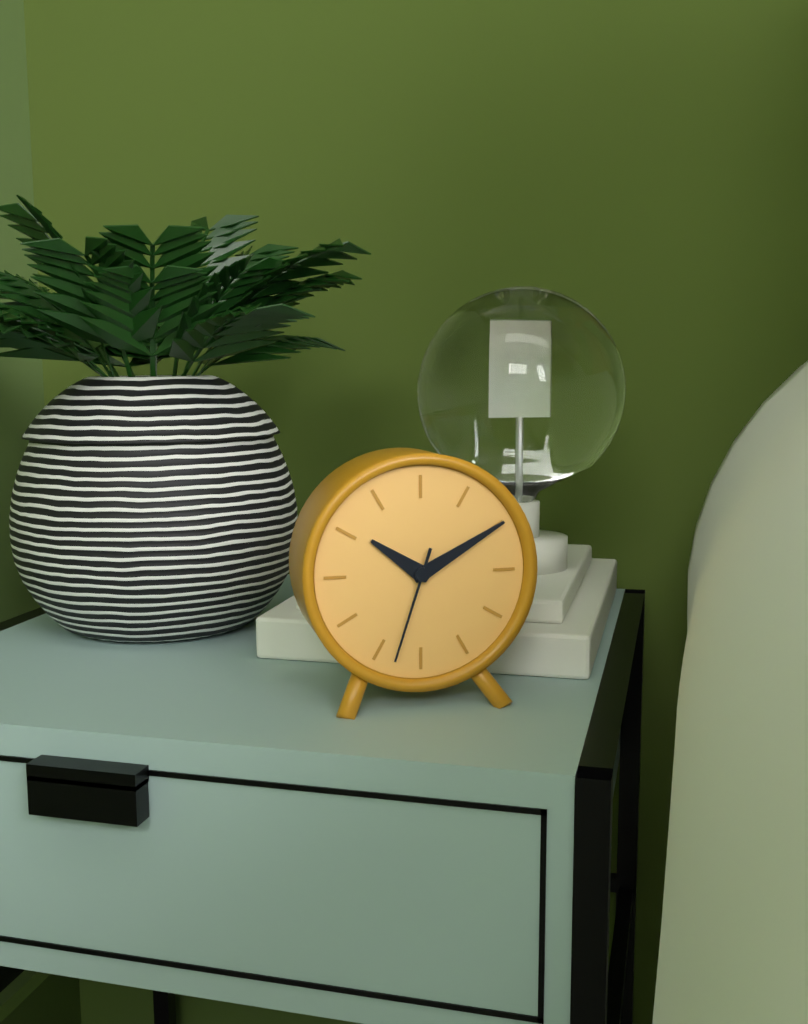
10:10:33
